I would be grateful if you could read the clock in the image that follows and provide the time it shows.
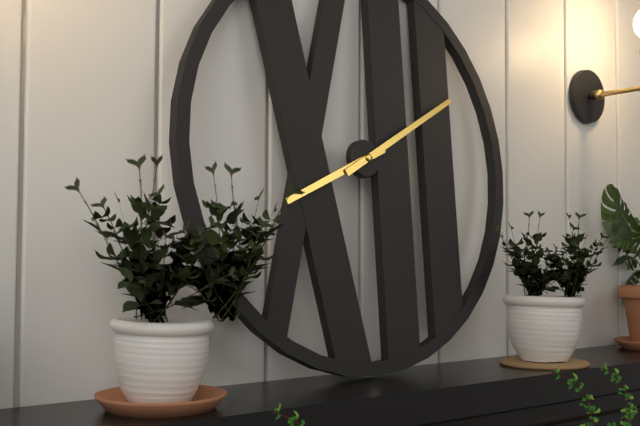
8:10
